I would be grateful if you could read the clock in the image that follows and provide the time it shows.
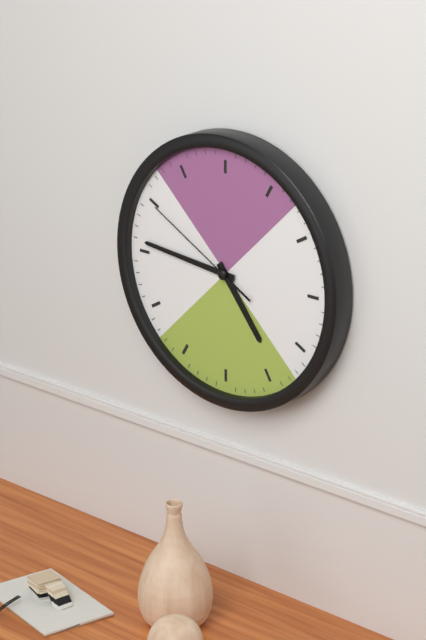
4:46:50
